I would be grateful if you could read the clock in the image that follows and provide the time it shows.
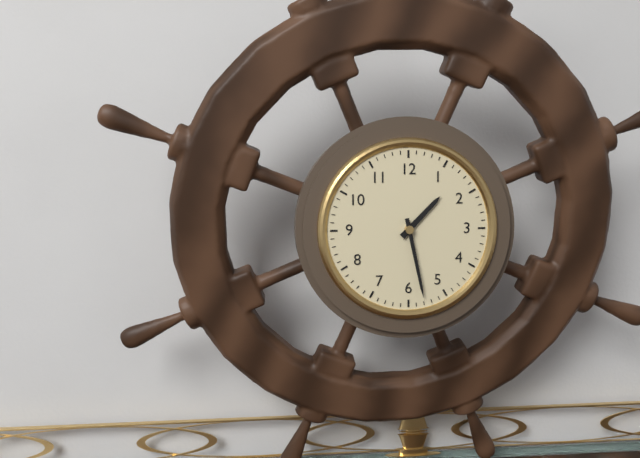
1:28
